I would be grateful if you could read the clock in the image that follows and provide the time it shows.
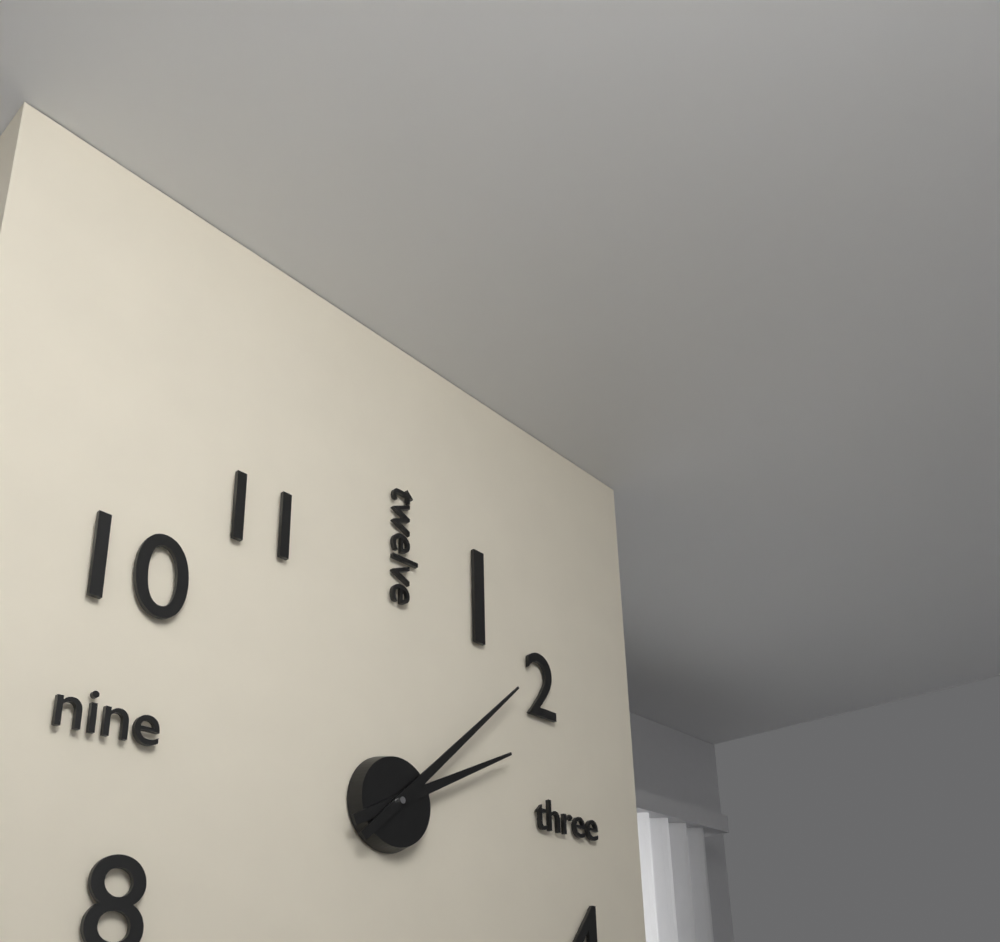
2:08
